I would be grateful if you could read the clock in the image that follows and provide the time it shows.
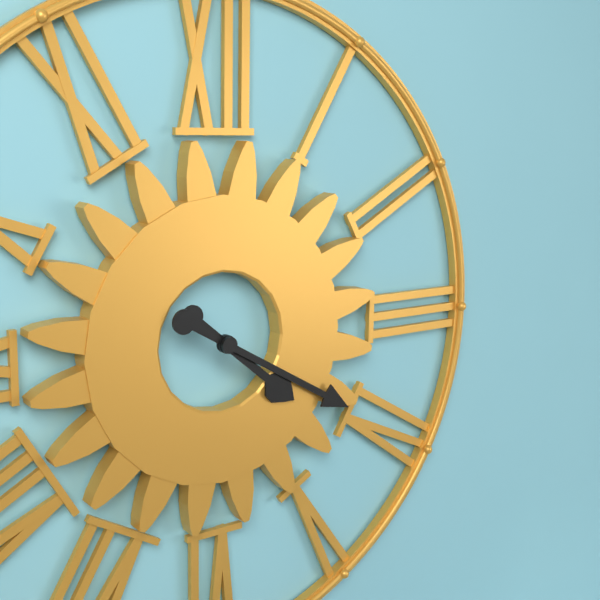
4:20
